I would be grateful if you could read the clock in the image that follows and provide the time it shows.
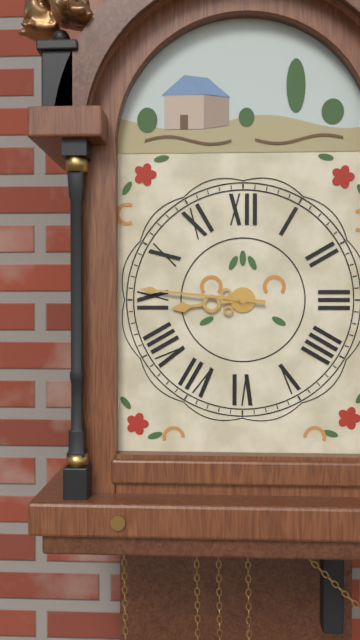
8:46
